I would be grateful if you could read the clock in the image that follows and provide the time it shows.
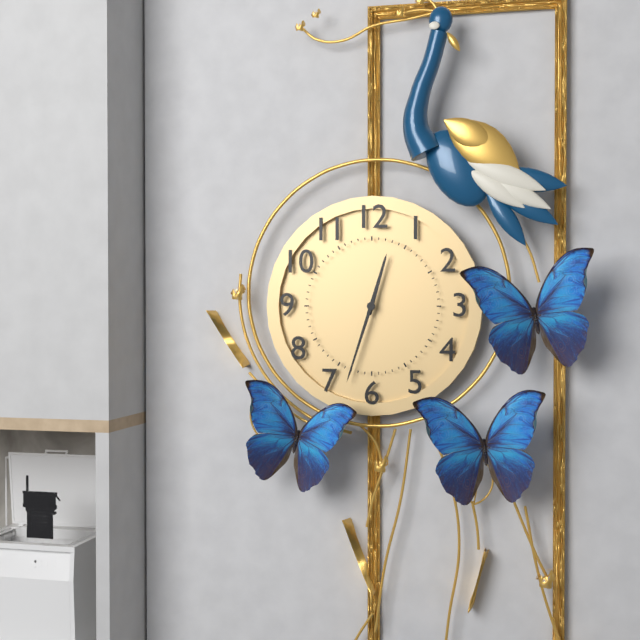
12:33
